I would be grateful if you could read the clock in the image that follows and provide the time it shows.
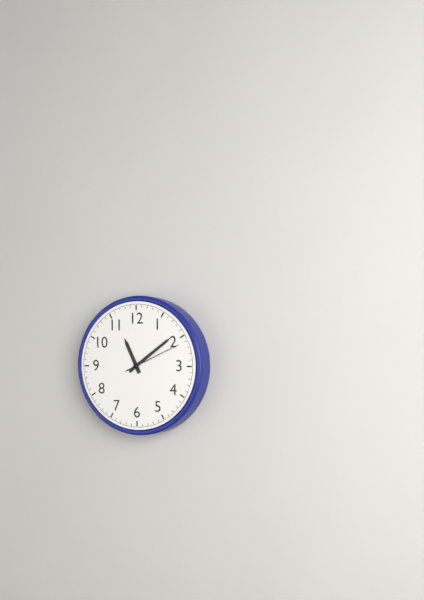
11:09:11
